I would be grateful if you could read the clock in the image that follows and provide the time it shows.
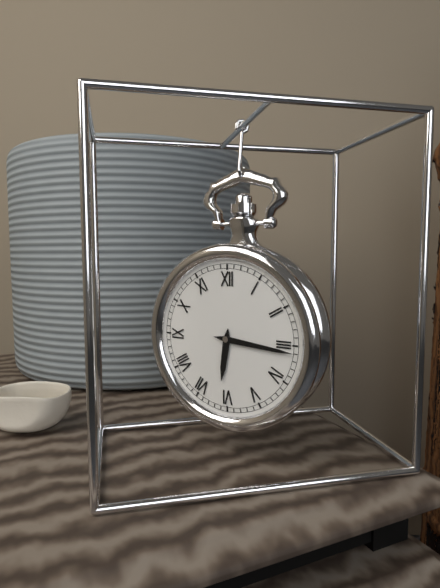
6:16
